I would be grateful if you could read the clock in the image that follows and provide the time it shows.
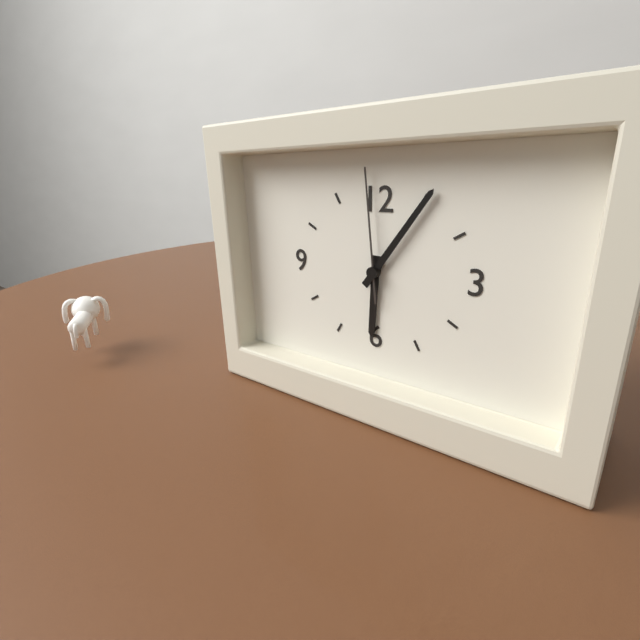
6:06:59
